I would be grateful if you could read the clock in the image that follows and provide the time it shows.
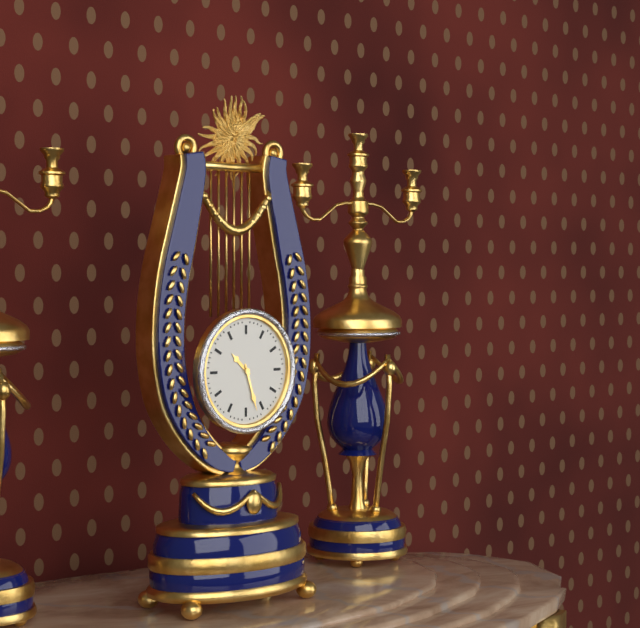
10:27
